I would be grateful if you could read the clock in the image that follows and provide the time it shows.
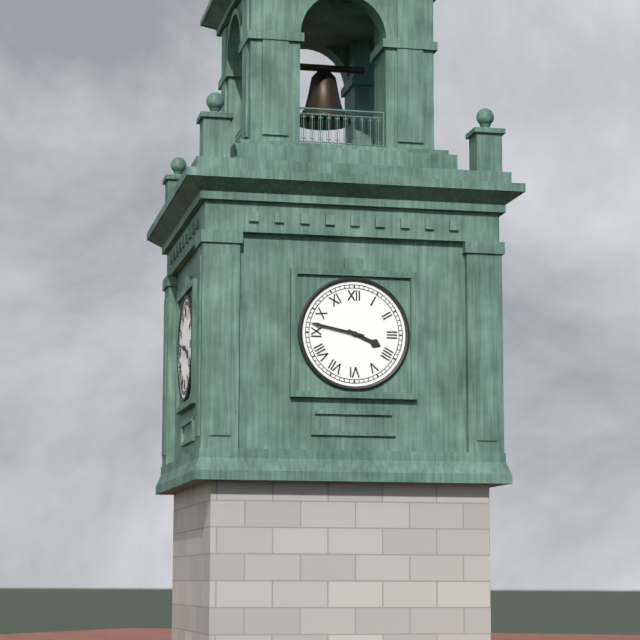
3:47
